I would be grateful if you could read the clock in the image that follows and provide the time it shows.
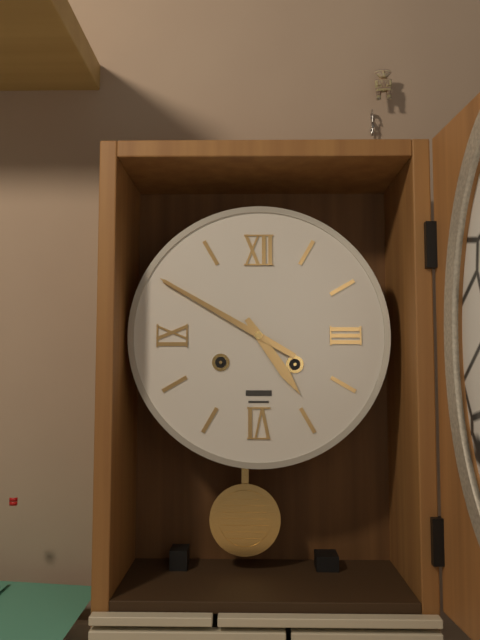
4:50
